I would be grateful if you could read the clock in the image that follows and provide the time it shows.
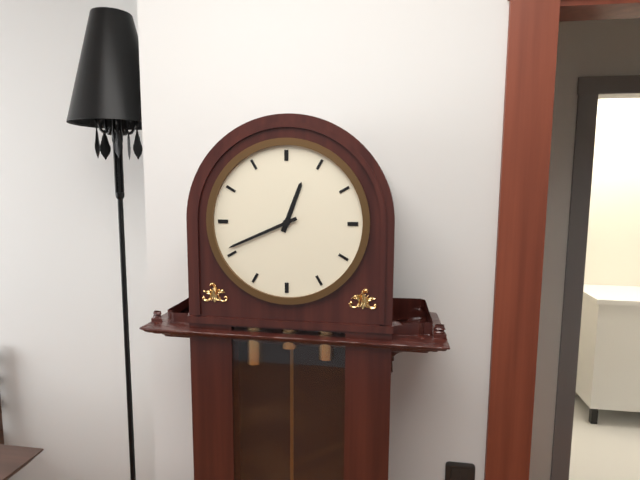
12:41
